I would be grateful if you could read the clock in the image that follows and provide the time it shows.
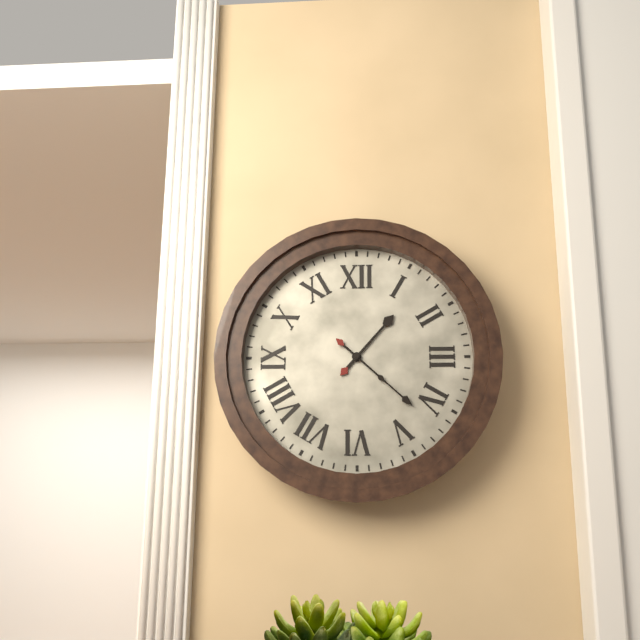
1:22
